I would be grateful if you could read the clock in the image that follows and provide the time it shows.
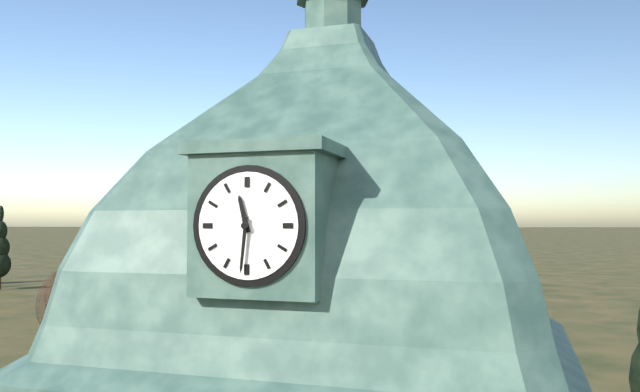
11:31
